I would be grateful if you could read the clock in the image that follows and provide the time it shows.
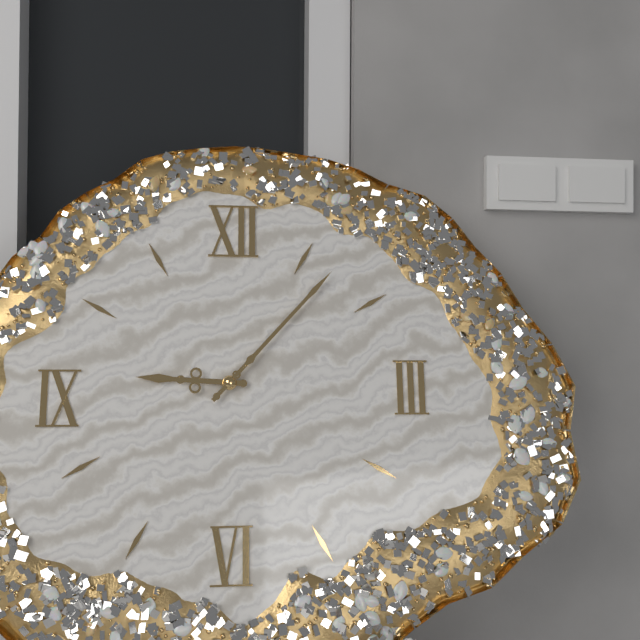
9:07
